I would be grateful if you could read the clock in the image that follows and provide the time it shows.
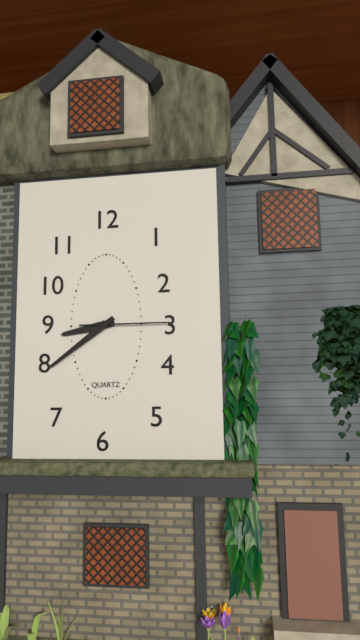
8:39:15
